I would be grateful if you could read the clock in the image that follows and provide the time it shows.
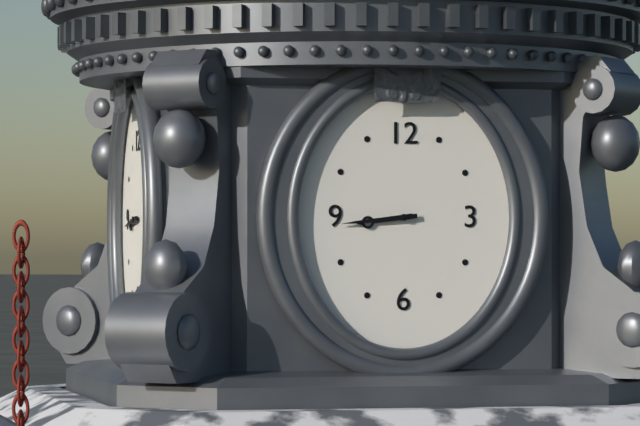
8:44
